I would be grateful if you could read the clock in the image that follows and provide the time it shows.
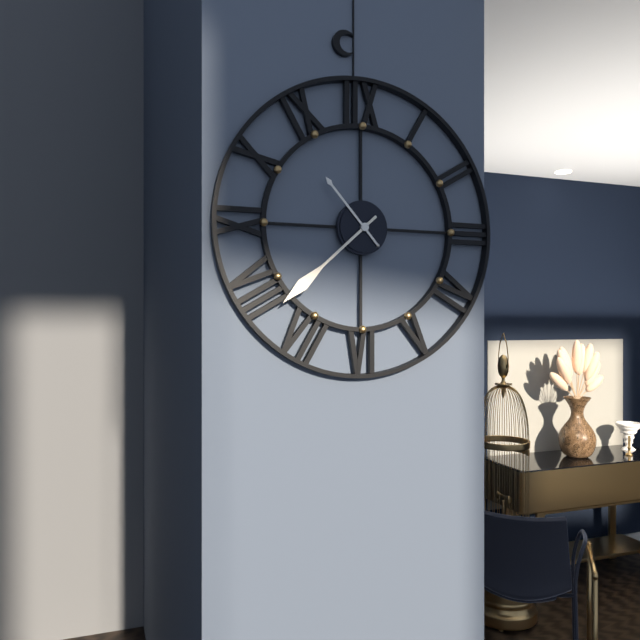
10:38
